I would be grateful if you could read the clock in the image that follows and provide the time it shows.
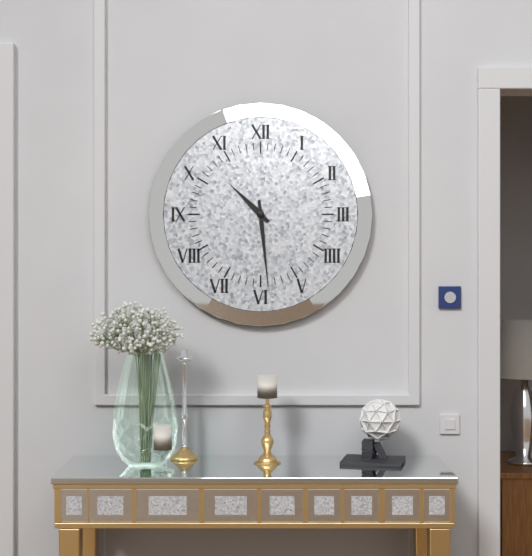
10:29
